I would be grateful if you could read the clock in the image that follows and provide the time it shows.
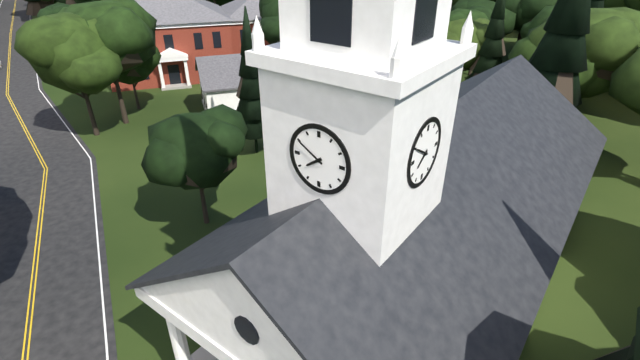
7:50
